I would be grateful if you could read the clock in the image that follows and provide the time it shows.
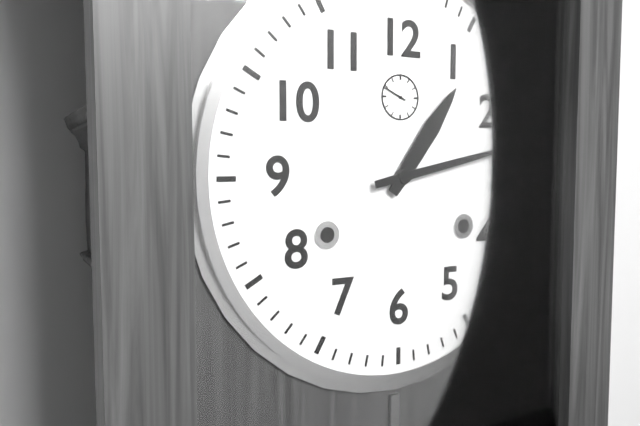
1:13
